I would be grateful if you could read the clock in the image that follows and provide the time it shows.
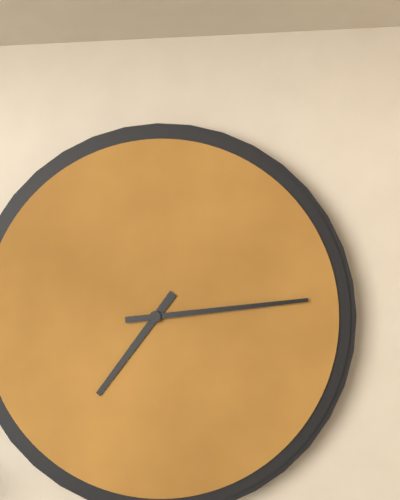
7:14
